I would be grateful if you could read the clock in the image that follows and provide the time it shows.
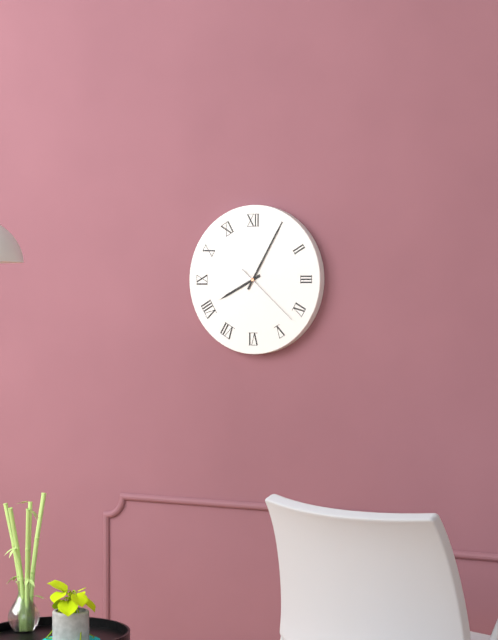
8:05:22
